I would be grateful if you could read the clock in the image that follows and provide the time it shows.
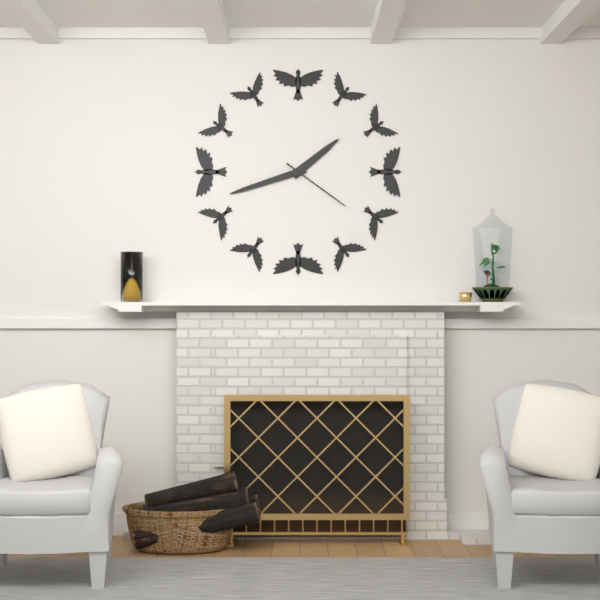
1:42:21
